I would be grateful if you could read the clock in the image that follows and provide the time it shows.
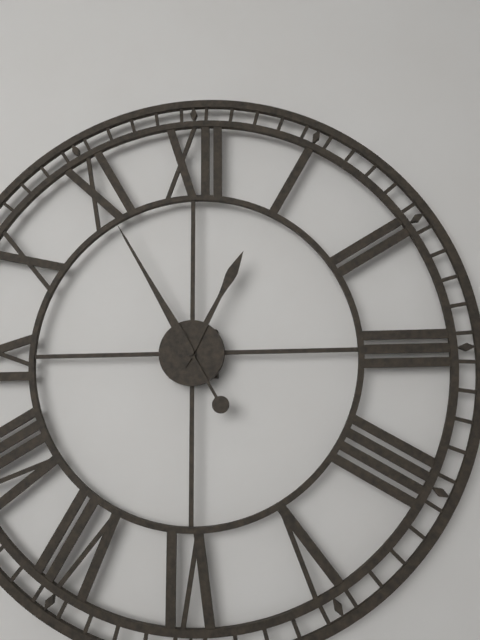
12:55
